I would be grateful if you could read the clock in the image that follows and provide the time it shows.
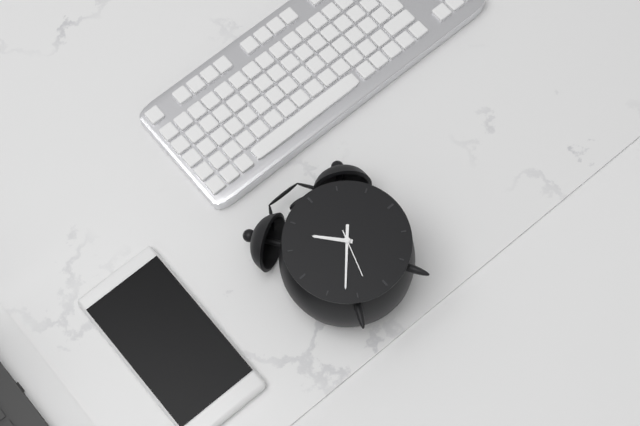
10:37
